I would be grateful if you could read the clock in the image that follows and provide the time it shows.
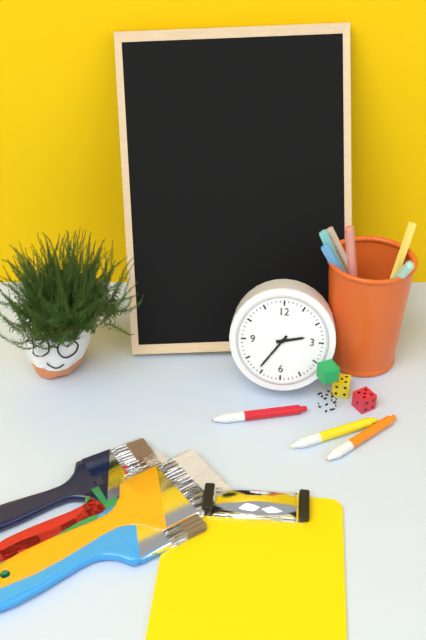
2:36
